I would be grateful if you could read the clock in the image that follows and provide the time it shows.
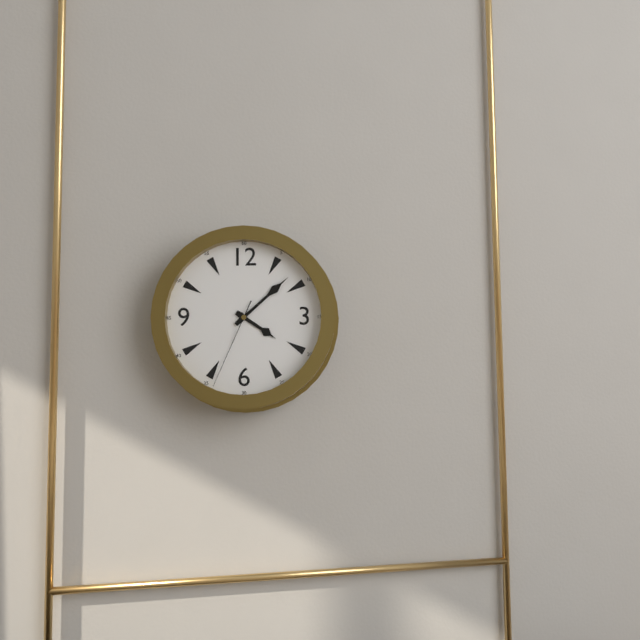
4:08:34
